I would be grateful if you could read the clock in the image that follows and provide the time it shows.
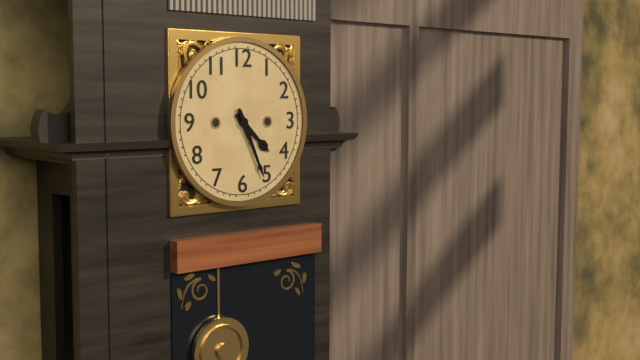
4:26
